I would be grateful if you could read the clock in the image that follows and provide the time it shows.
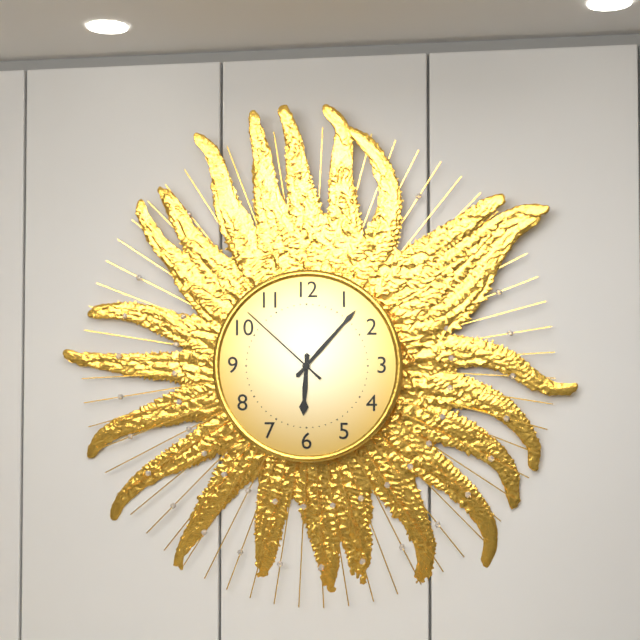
6:07:52
